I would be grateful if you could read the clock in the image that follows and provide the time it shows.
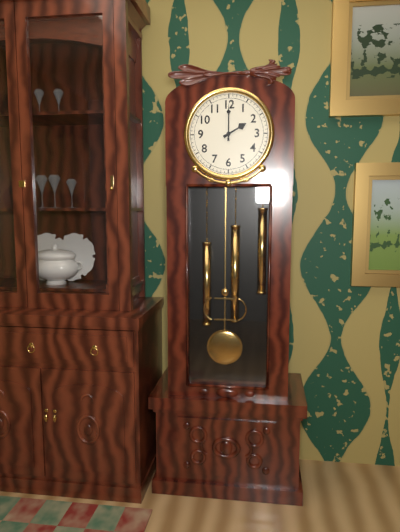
2:00
